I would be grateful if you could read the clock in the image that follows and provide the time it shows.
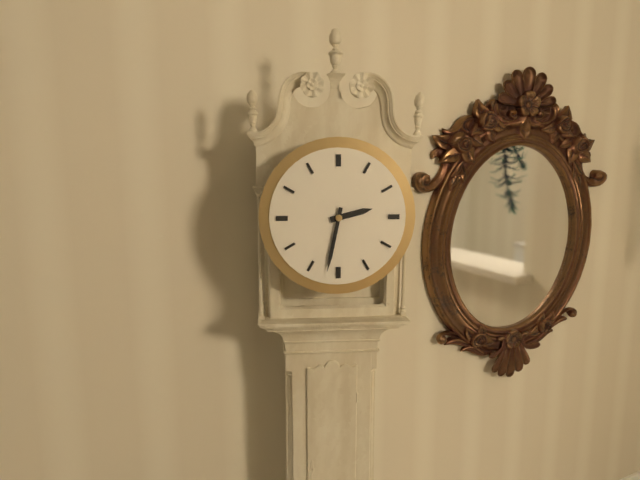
2:32
